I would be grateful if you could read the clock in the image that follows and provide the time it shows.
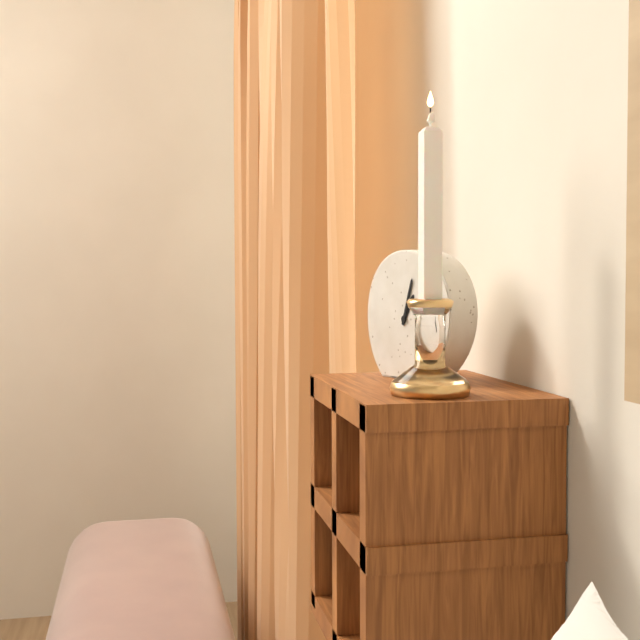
1:03
